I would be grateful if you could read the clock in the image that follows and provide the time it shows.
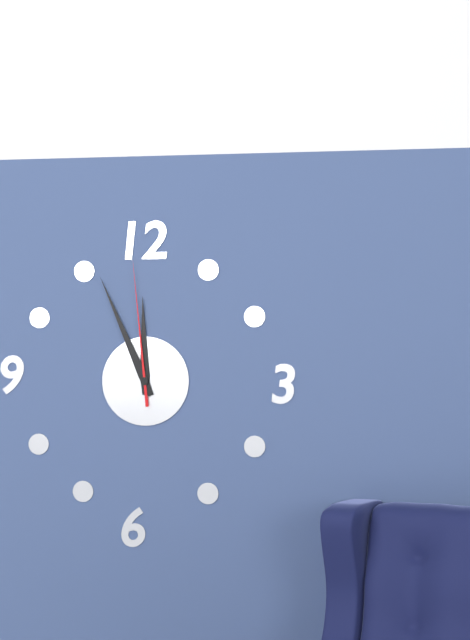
11:56:59
